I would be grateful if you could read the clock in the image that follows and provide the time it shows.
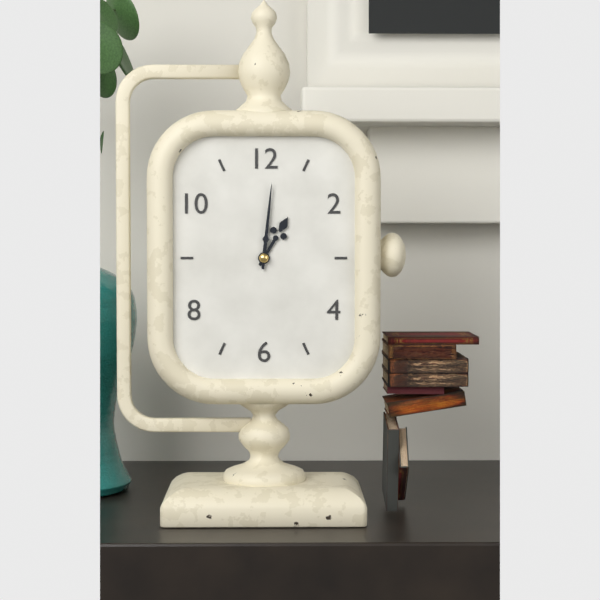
1:01
